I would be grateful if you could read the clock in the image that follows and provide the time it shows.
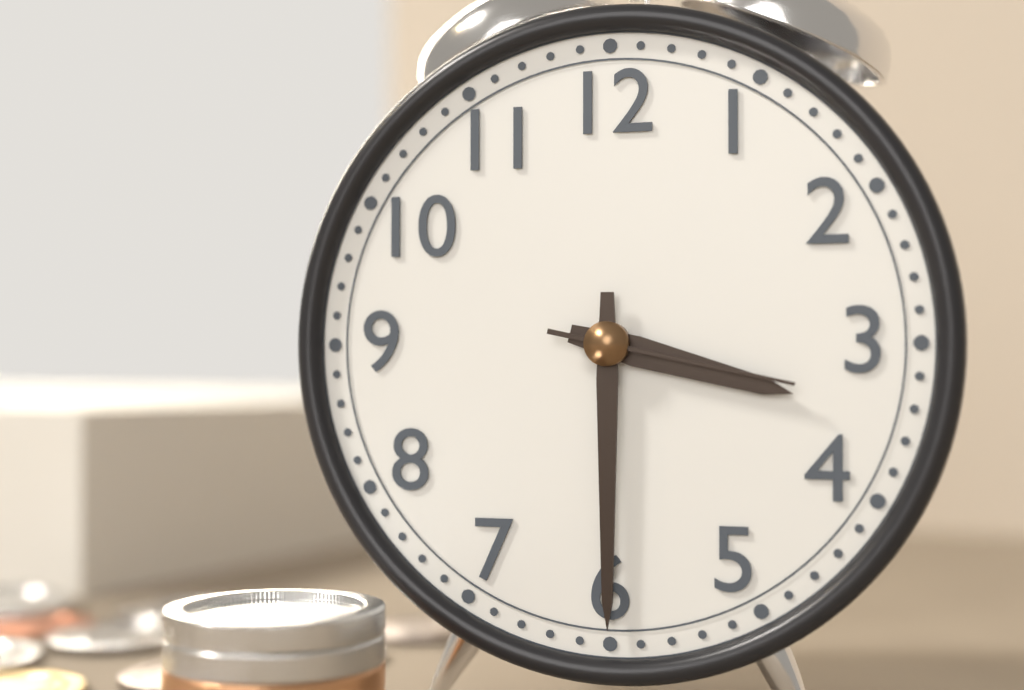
3:30:17
